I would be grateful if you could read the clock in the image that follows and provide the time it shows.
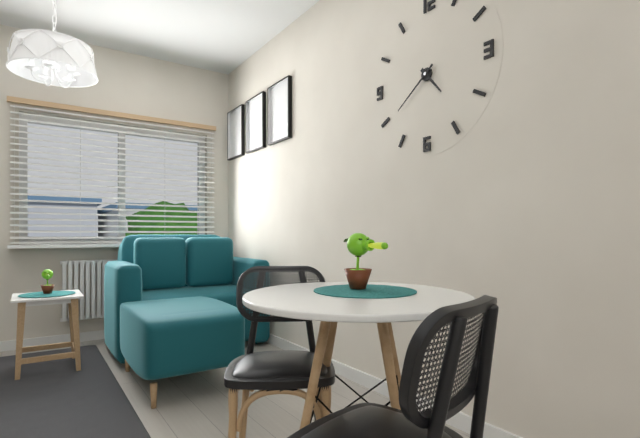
4:39
